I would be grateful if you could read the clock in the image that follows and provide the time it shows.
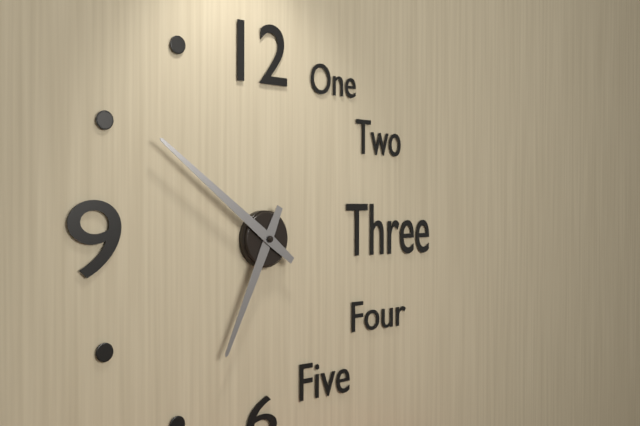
6:51
